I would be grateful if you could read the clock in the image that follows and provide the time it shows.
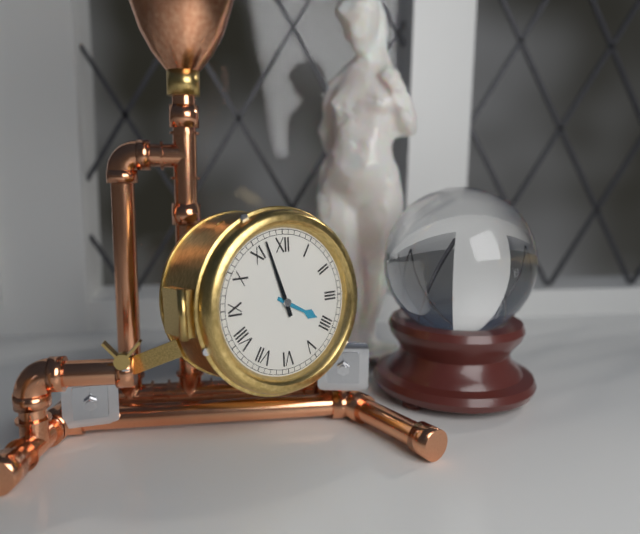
3:57
